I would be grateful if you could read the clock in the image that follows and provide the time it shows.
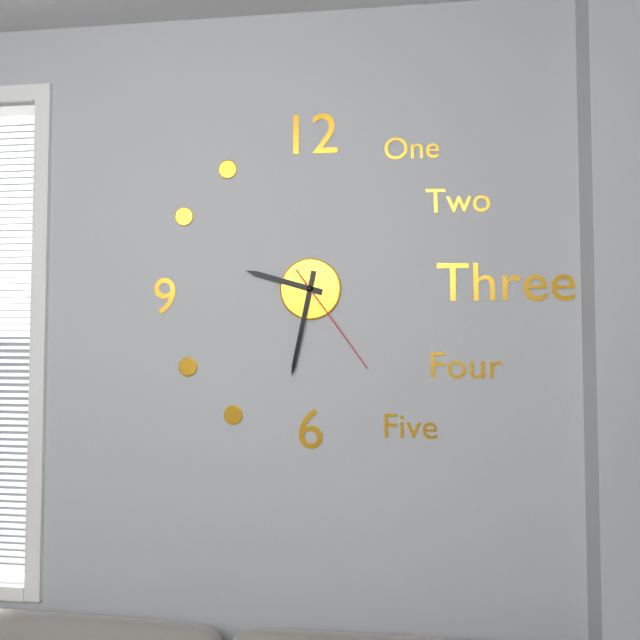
9:32:24
